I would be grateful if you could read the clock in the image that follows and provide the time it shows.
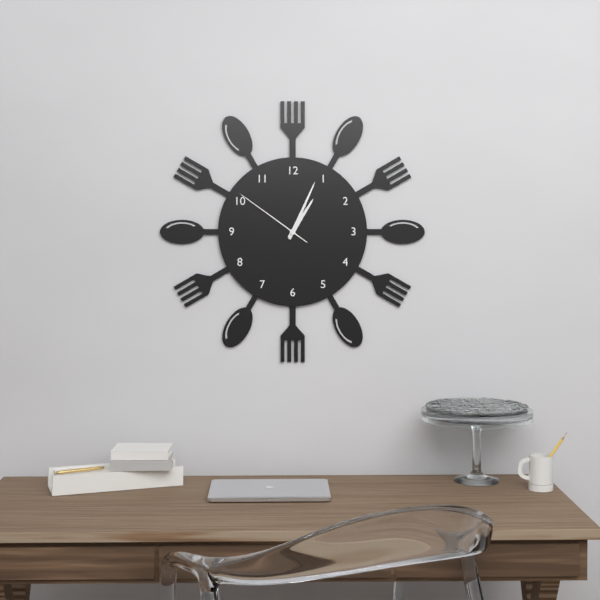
1:04:51
